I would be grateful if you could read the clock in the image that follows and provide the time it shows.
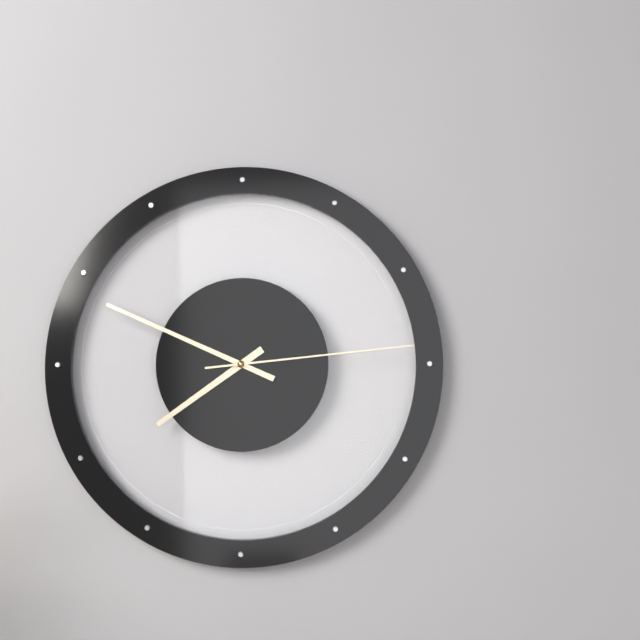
7:49:14
